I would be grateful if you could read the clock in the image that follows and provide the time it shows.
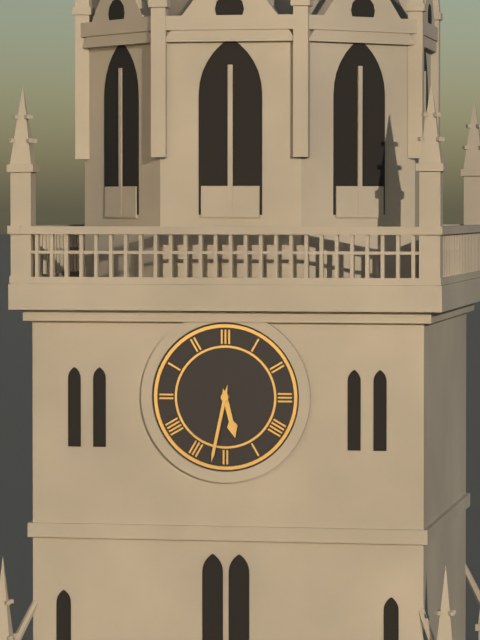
5:32
